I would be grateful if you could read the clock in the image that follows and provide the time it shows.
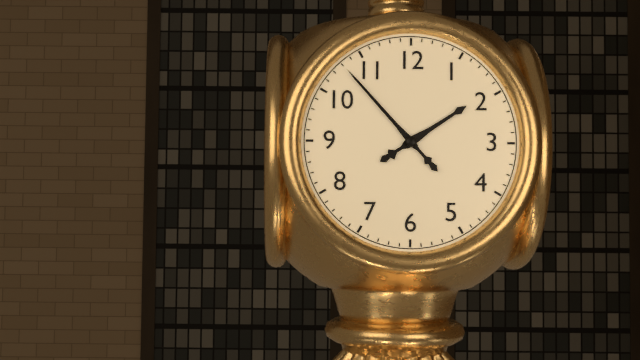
1:53
